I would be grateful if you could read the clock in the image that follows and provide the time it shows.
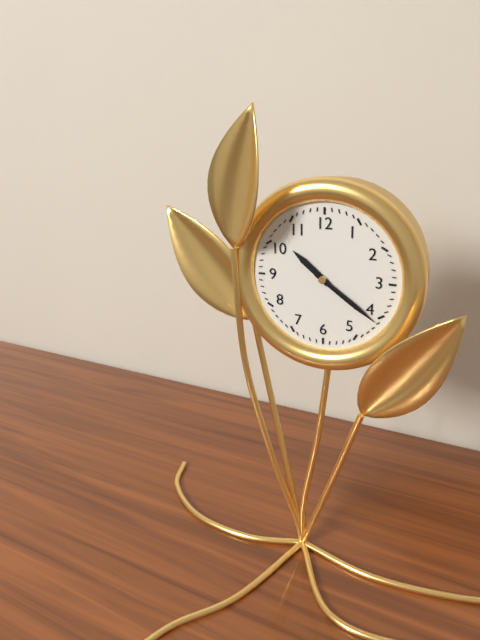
10:21
